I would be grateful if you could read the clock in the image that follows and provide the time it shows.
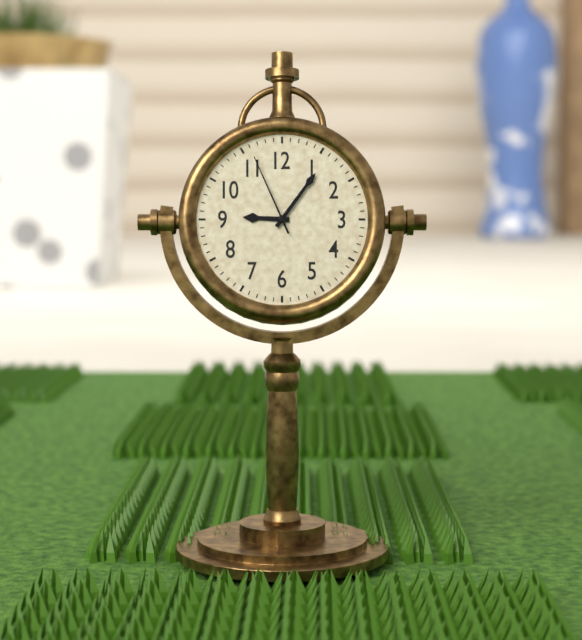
9:06:56
